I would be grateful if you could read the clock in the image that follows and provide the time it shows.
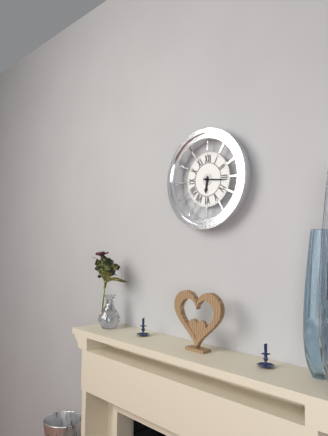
6:16
